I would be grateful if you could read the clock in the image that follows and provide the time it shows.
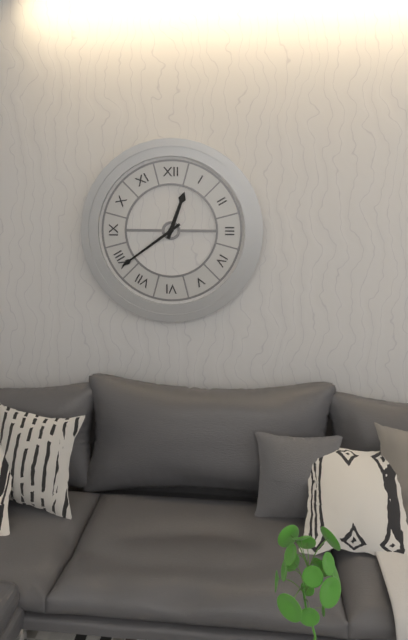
12:39
